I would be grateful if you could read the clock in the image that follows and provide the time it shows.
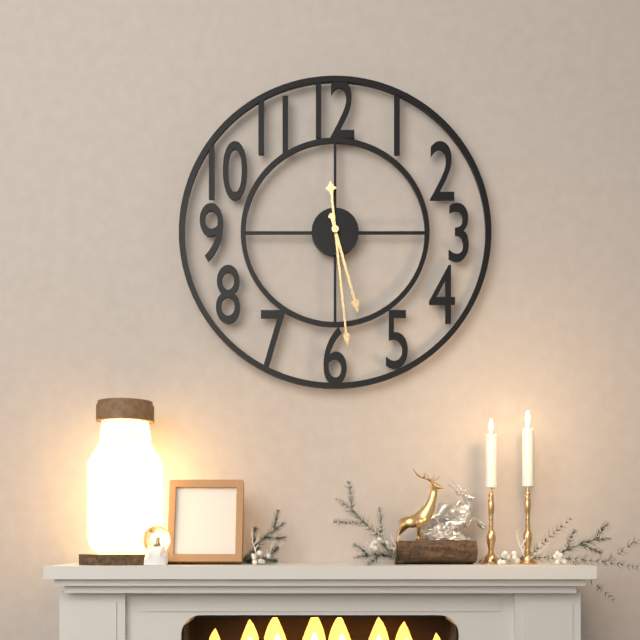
5:29
